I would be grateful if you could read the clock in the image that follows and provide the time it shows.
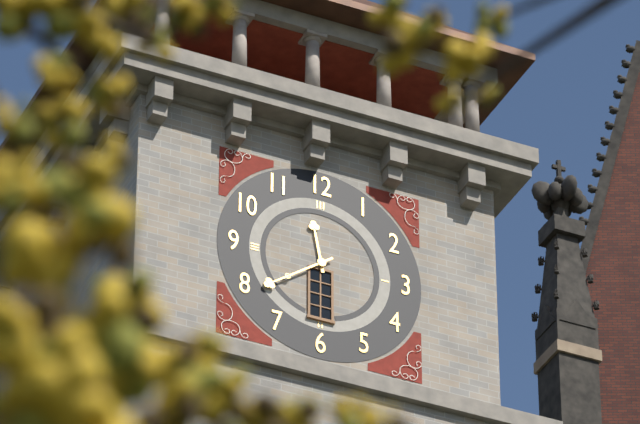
11:39
